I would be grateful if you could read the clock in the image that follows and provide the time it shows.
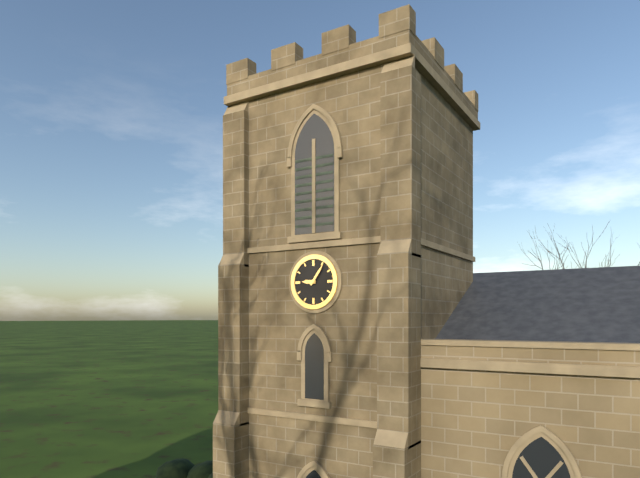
9:06
